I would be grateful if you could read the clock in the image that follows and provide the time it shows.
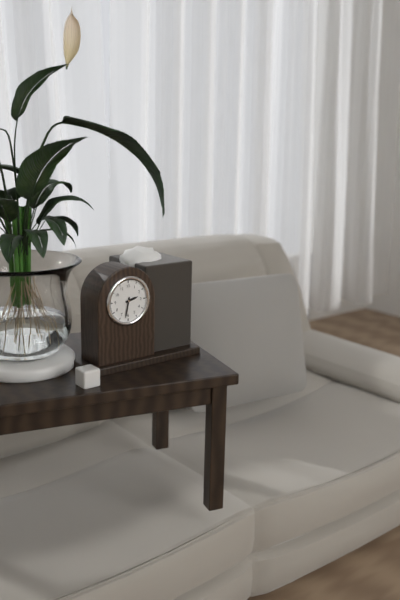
2:32
